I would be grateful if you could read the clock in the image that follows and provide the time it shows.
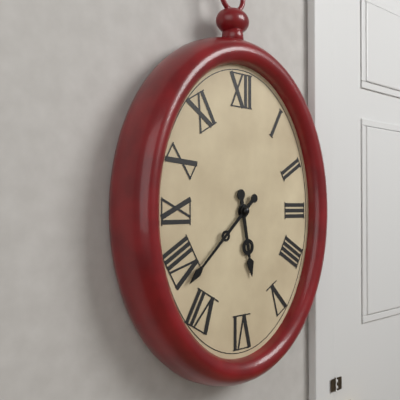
5:38
